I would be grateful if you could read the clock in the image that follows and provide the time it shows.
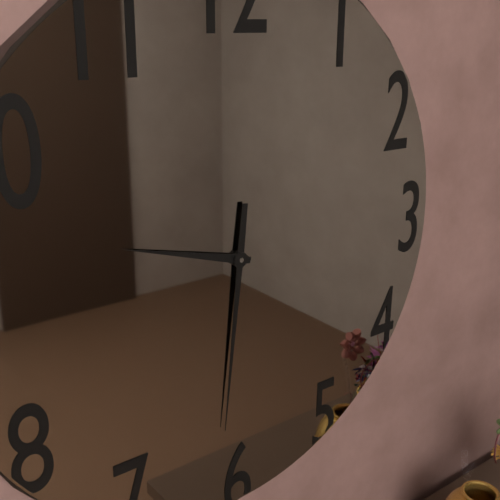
9:31
